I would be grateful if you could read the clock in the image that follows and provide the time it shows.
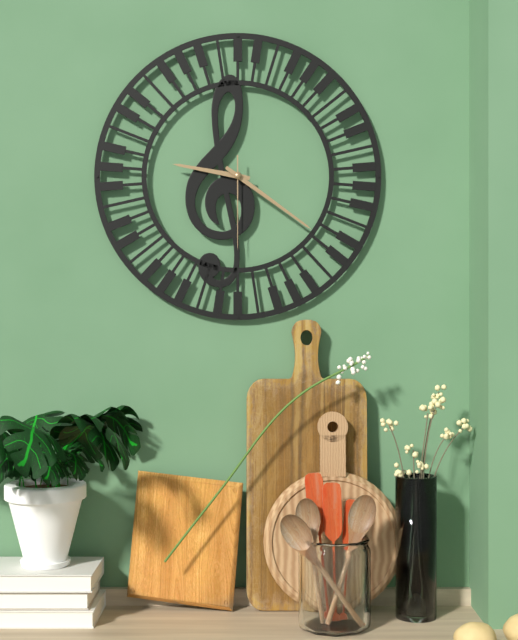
9:21:30
